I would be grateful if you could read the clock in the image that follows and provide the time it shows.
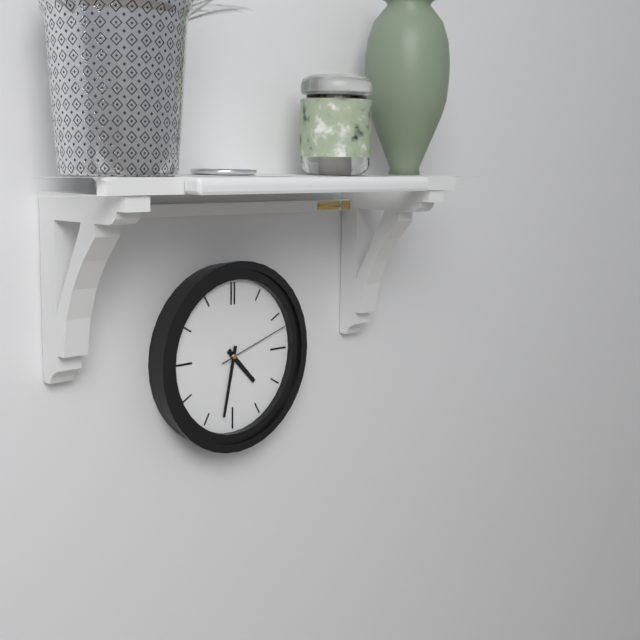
4:32:12
